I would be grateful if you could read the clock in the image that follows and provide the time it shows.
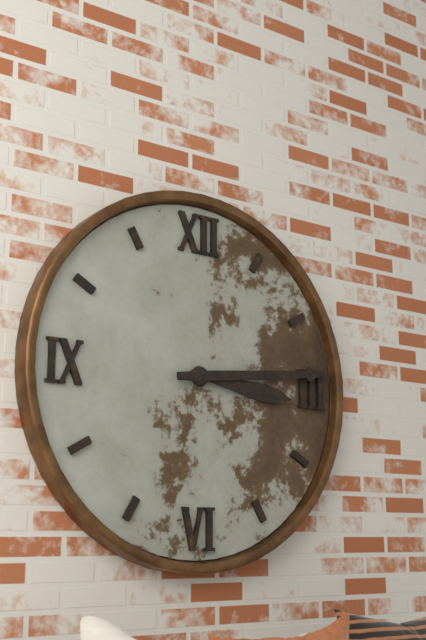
3:14
